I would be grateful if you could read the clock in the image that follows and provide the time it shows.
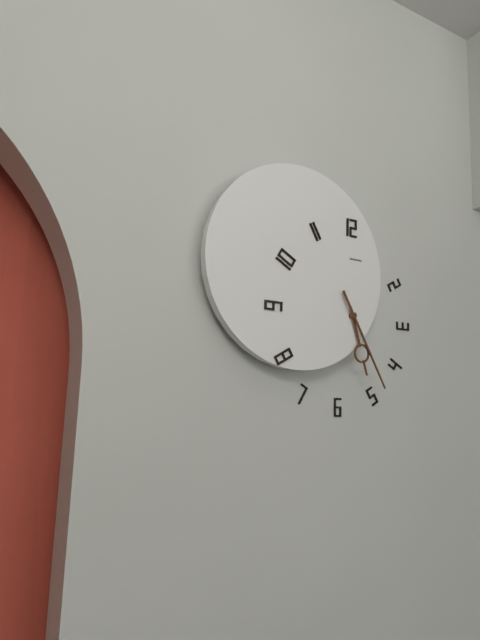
5:25
